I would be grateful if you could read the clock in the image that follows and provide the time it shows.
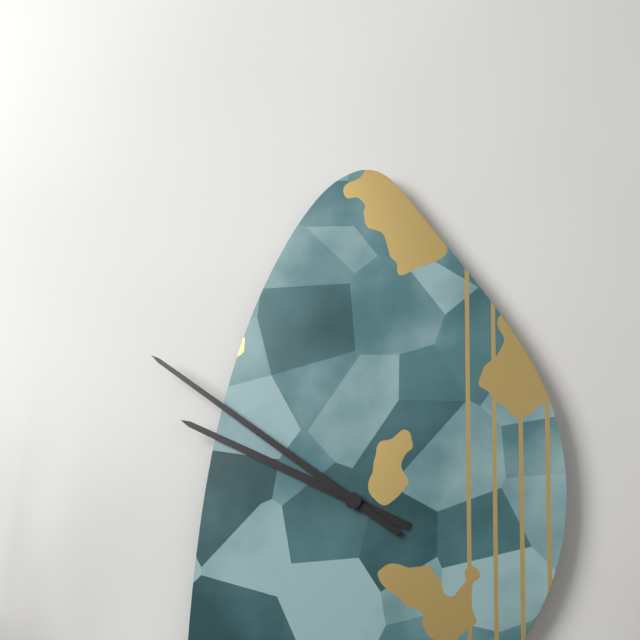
9:51
